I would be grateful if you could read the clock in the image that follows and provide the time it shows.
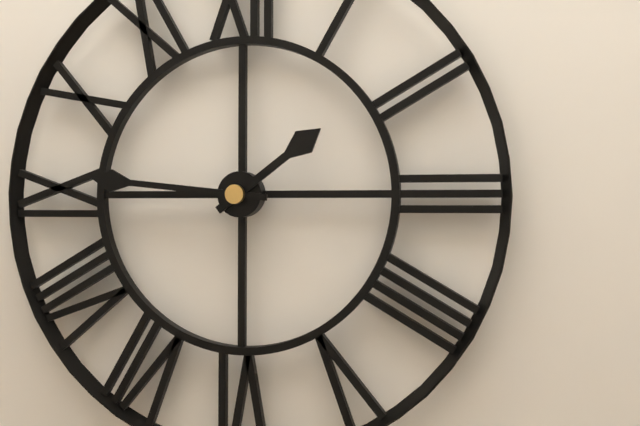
1:46
